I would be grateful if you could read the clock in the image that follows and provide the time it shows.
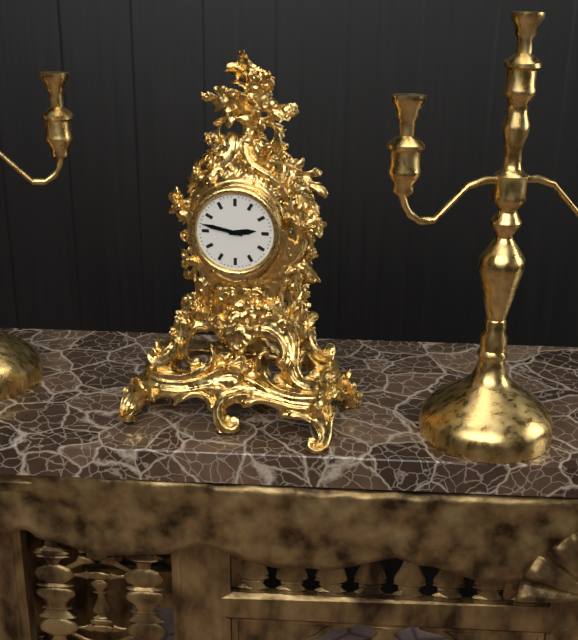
2:47
